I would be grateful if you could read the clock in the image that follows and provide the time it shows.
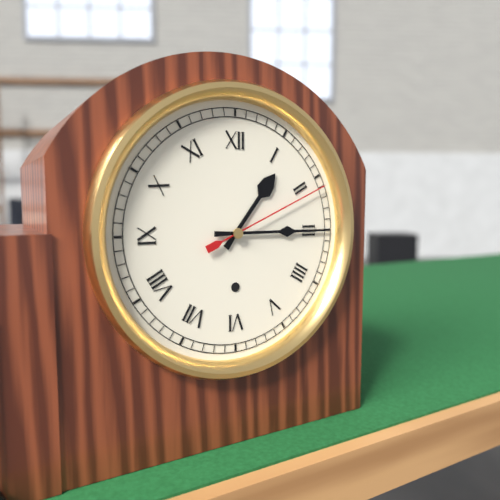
1:15:11
